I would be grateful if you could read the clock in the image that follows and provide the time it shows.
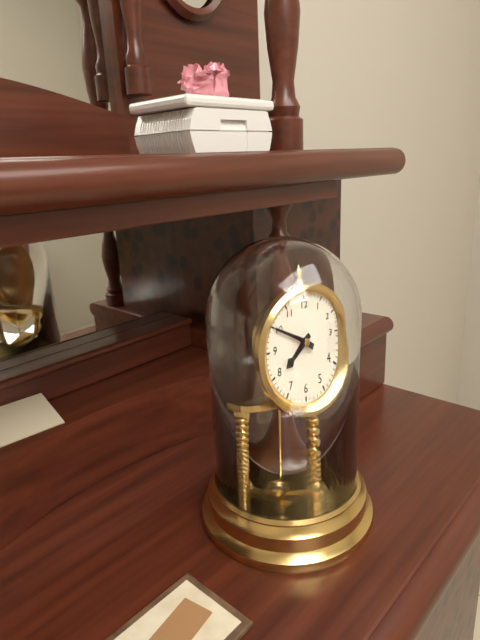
7:50
